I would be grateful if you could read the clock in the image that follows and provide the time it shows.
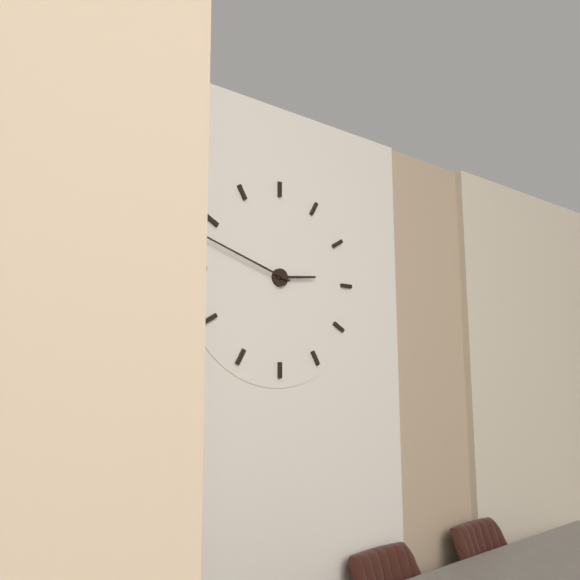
2:48
